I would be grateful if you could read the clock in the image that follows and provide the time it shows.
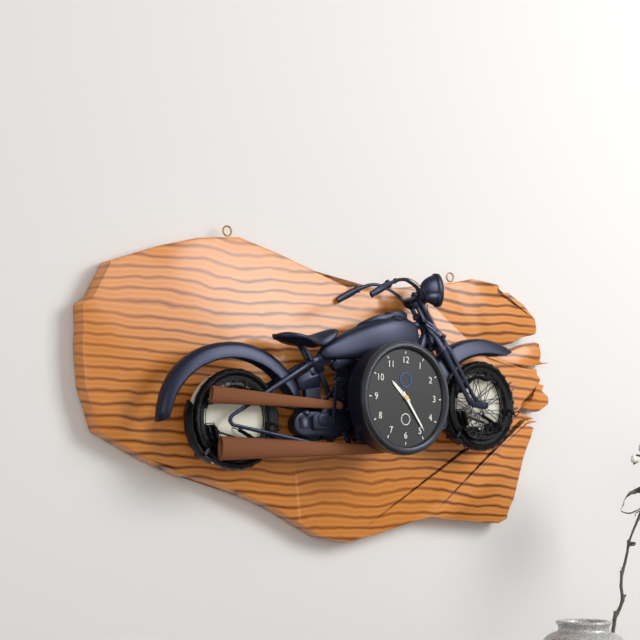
10:24
